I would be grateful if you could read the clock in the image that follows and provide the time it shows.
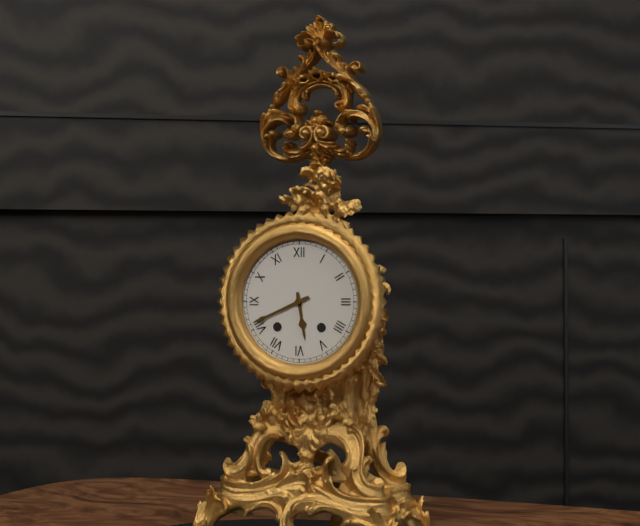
5:41
